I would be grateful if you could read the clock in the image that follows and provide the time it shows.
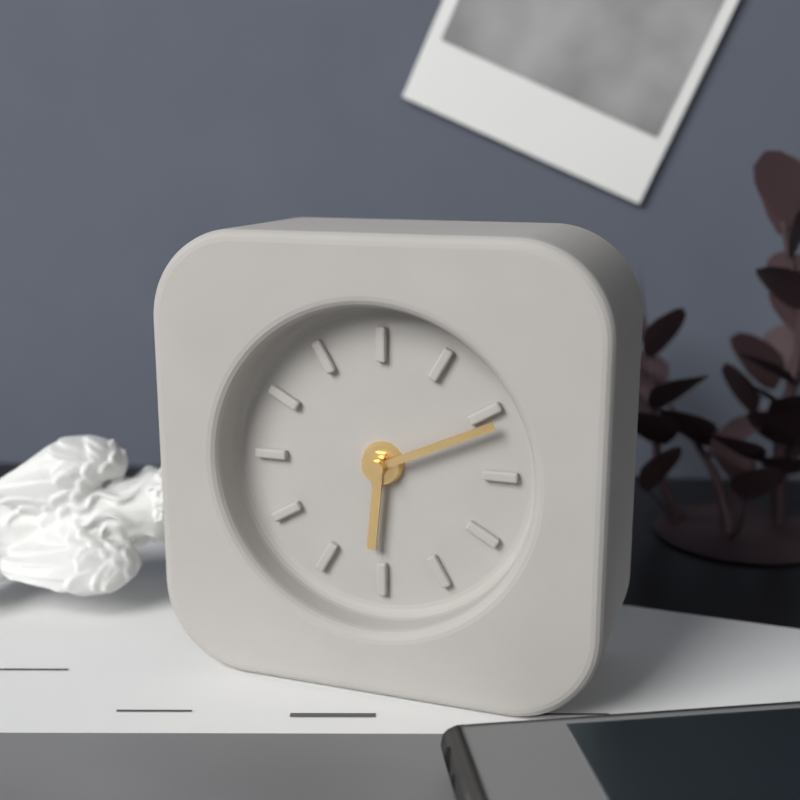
6:11
